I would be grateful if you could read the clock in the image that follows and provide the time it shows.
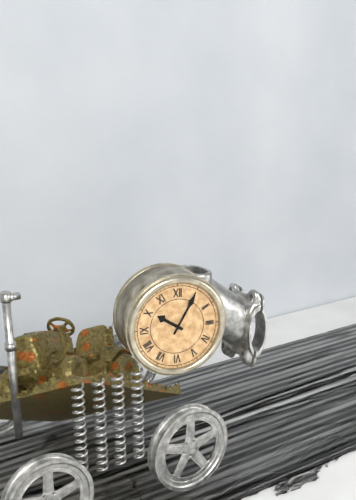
10:05
